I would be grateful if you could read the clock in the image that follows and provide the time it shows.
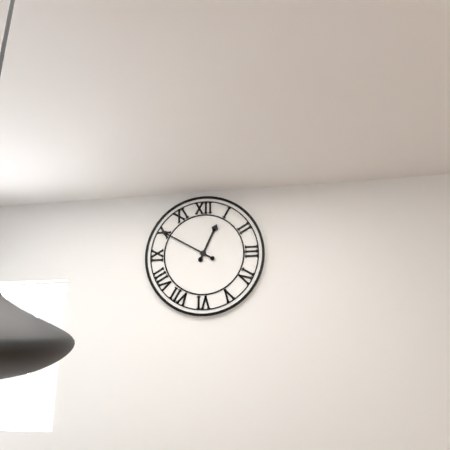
12:50
